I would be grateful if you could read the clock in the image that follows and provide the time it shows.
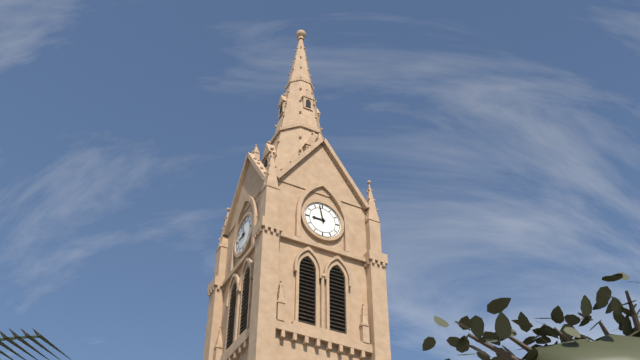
8:58
